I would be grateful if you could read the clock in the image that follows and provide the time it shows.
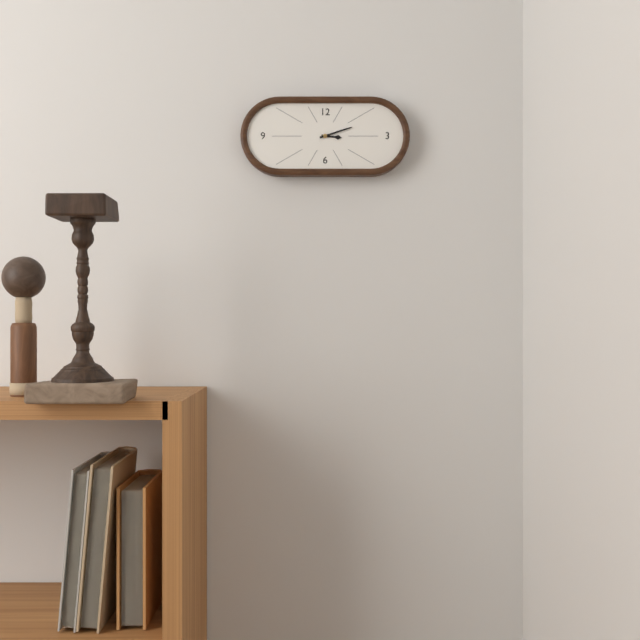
3:12
